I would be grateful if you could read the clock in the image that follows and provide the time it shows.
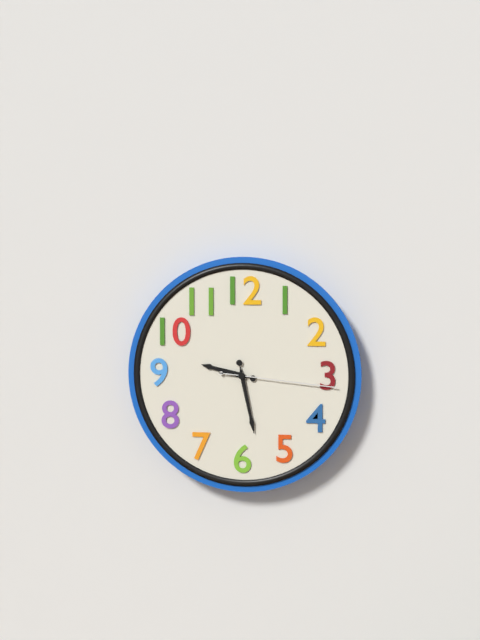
9:28:16
